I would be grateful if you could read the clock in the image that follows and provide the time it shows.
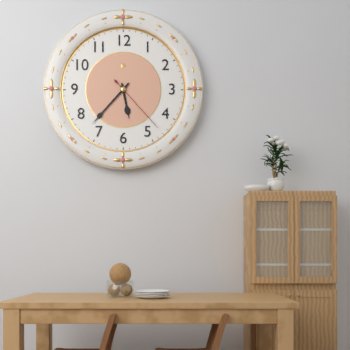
5:37:23
